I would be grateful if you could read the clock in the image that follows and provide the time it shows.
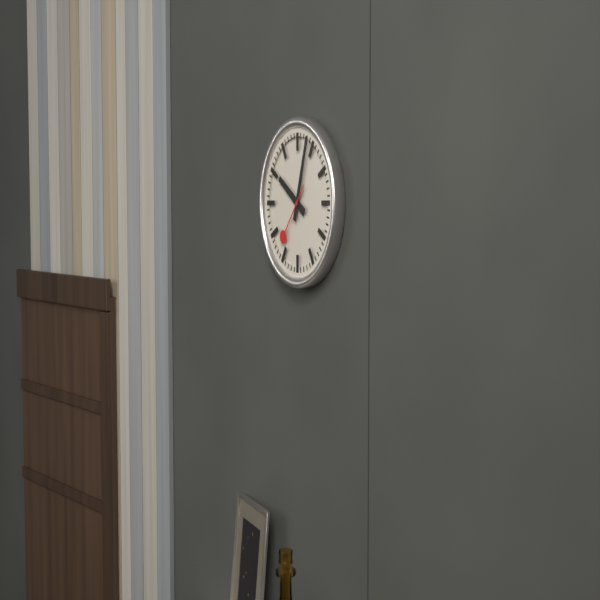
10:03:37
